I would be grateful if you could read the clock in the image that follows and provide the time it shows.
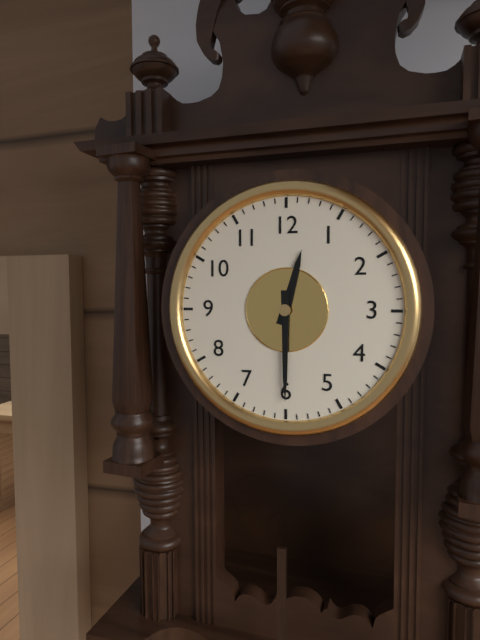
12:30
